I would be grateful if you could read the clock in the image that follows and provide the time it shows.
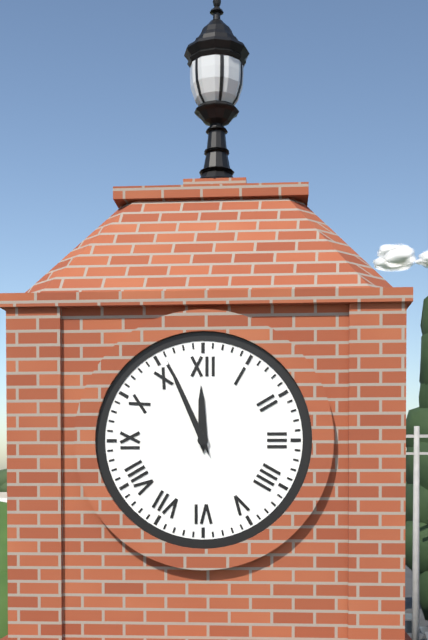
11:56
